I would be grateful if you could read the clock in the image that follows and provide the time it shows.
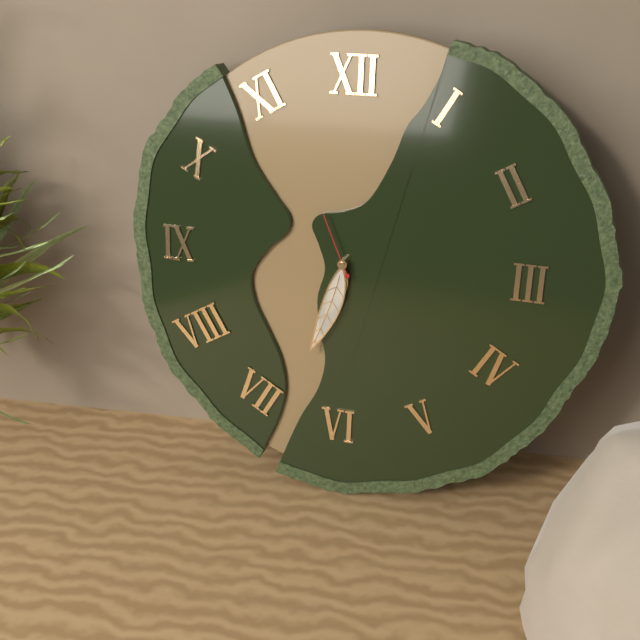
6:33:56
